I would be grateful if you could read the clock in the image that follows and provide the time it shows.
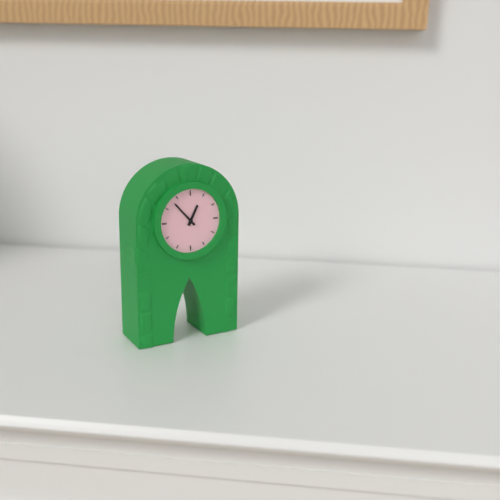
12:53
